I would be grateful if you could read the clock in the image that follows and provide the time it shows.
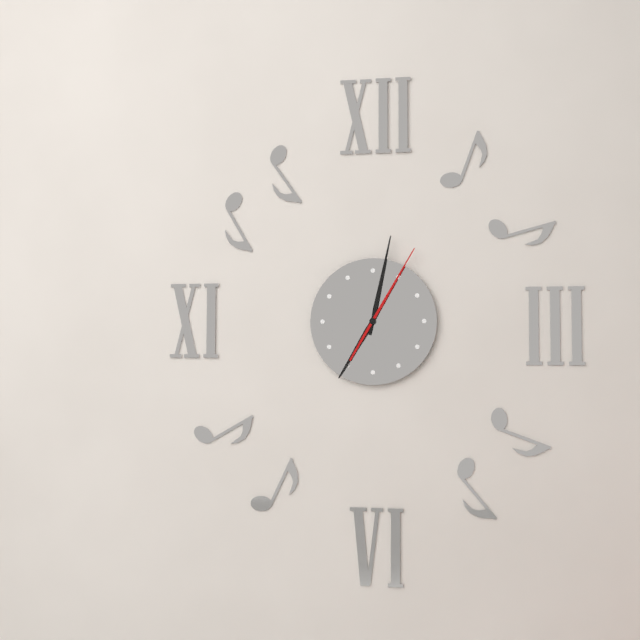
7:02:05
